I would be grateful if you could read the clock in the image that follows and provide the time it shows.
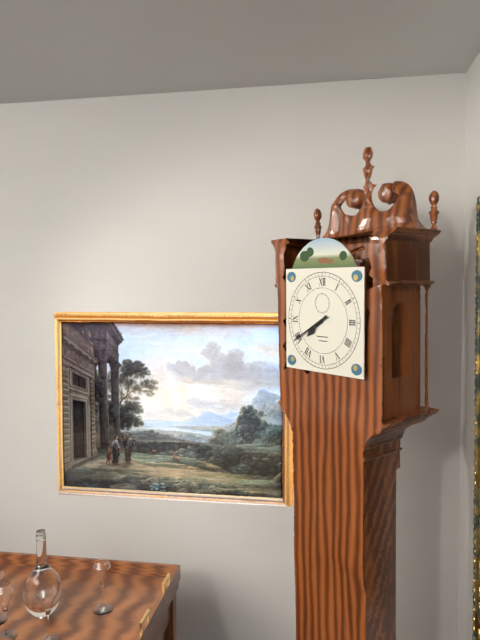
7:40
